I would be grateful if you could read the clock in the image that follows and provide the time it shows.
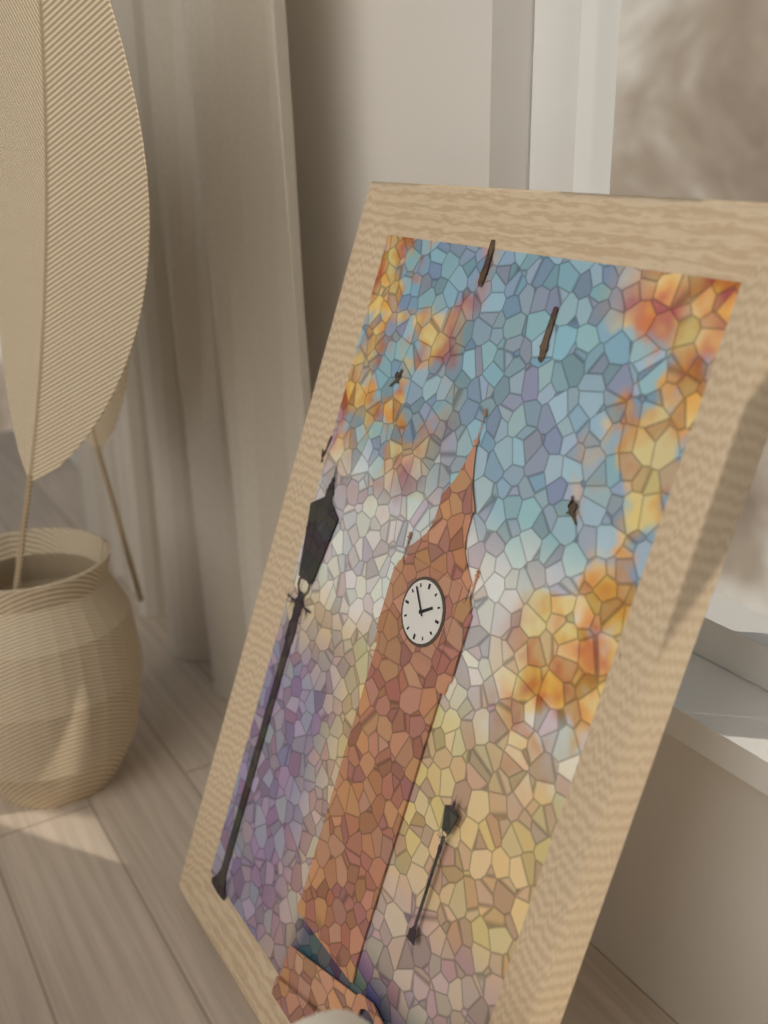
1:53
